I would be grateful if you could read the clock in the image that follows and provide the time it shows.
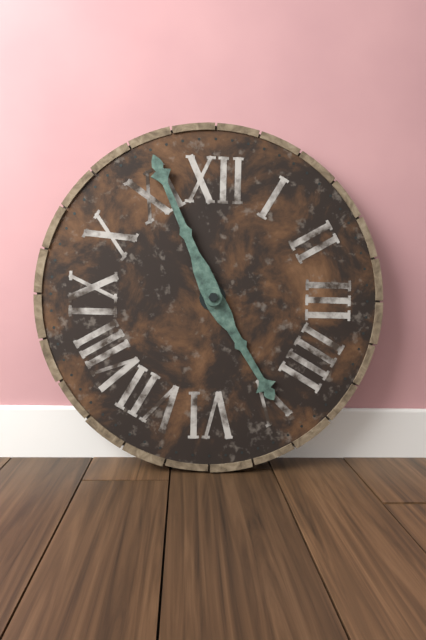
4:56
